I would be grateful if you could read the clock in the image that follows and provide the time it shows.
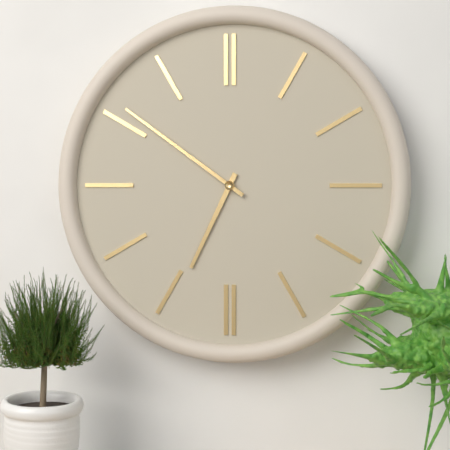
6:51
